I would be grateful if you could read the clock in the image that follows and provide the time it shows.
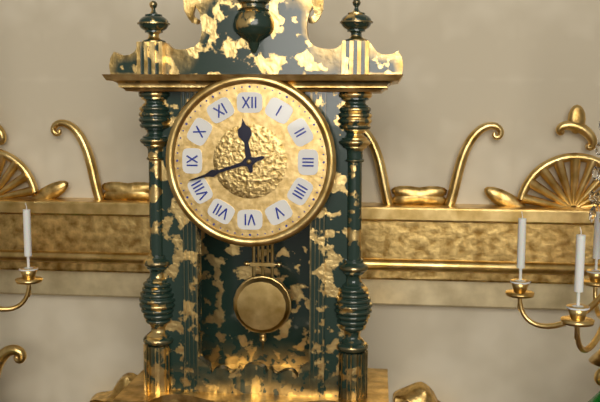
11:42
